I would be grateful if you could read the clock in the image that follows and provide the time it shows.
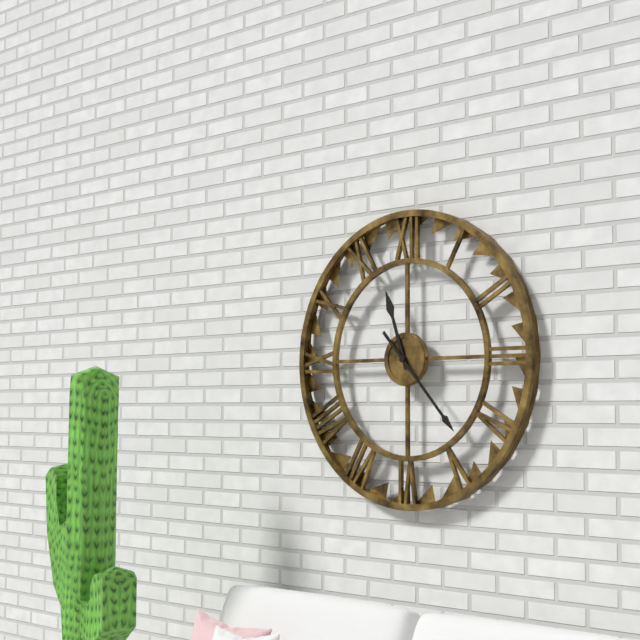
11:23
